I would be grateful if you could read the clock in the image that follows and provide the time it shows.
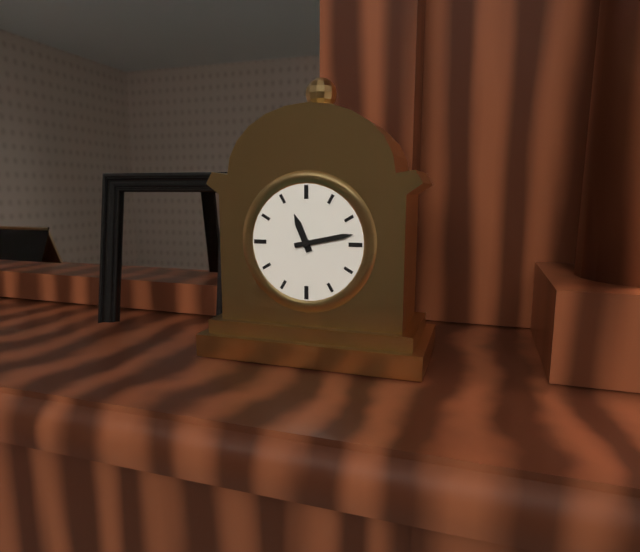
11:13
